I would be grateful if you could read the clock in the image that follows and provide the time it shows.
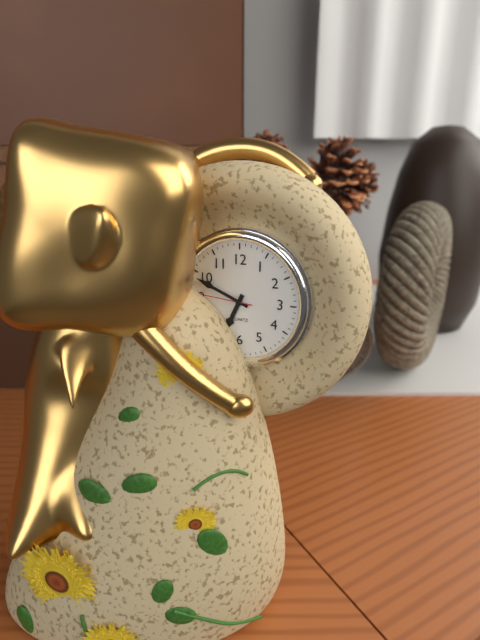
6:49:46
